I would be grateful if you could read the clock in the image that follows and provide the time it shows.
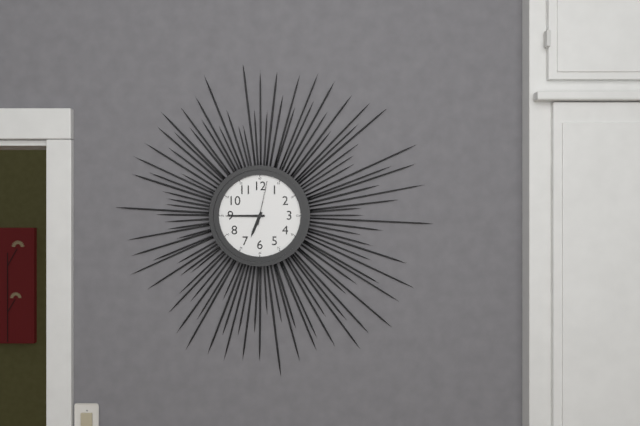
6:45
